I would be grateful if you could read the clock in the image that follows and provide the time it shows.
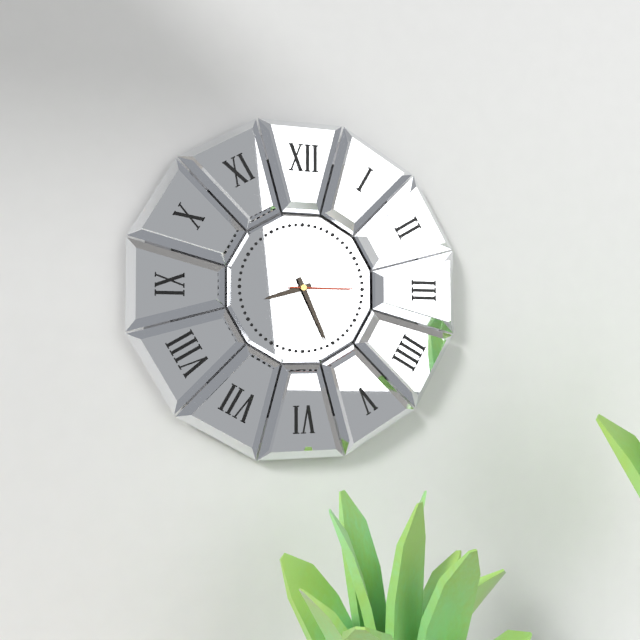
8:26:15
